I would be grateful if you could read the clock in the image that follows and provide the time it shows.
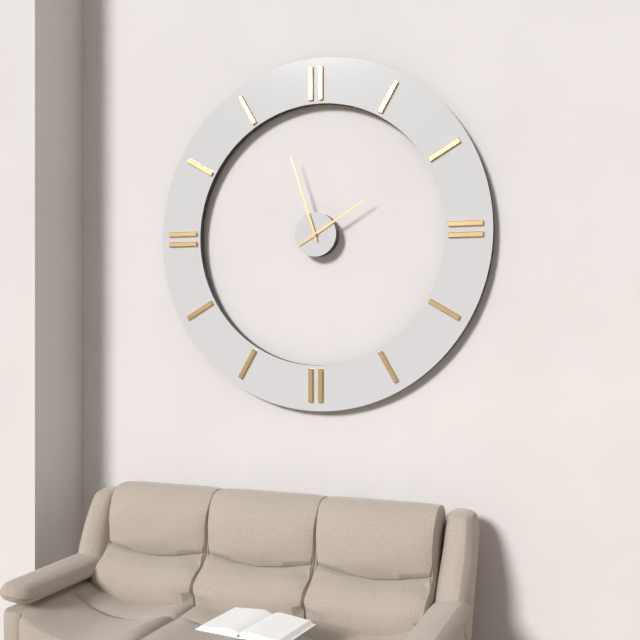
1:57
